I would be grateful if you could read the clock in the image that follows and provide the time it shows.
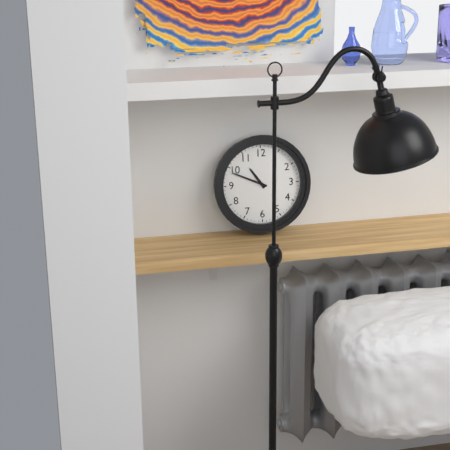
10:49
